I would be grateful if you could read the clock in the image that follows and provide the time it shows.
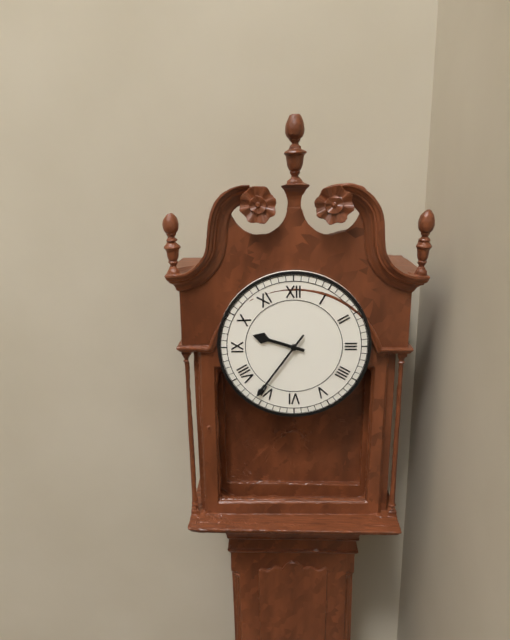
9:36
